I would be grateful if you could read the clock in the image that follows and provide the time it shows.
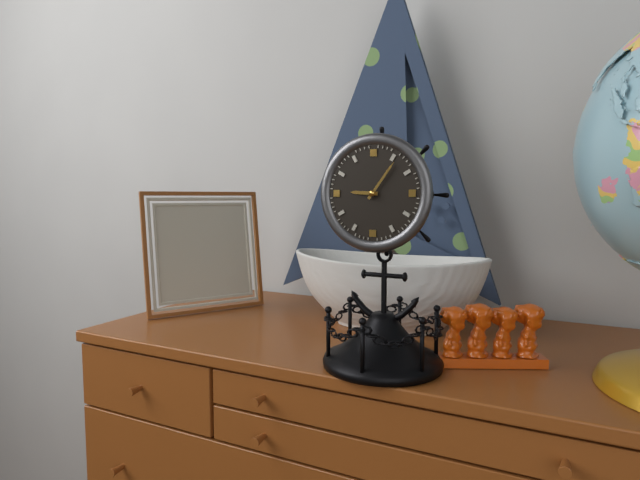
9:06
